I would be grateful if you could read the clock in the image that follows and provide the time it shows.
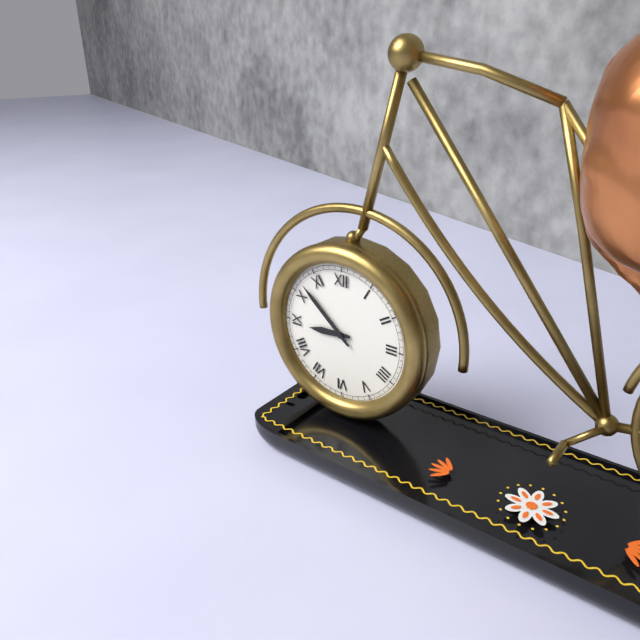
8:52
